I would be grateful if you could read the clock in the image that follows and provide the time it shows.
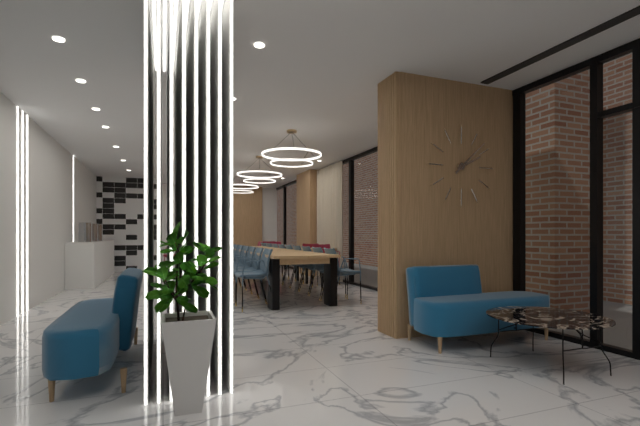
2:08
